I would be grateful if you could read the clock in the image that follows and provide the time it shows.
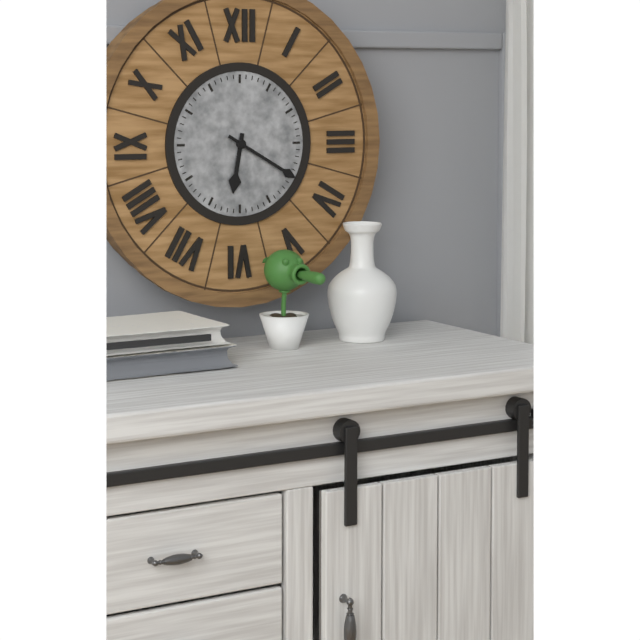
6:20
